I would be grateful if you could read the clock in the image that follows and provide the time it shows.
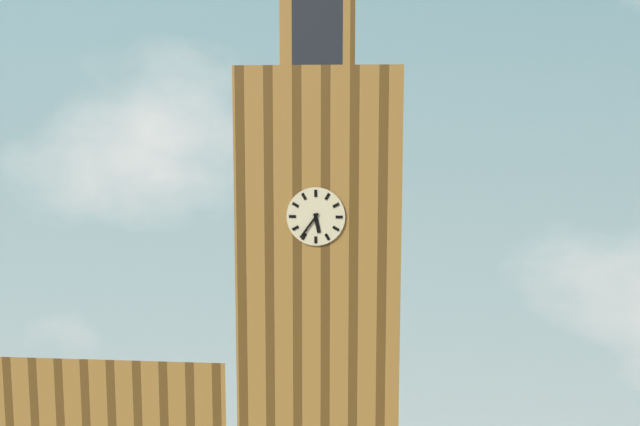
5:36
